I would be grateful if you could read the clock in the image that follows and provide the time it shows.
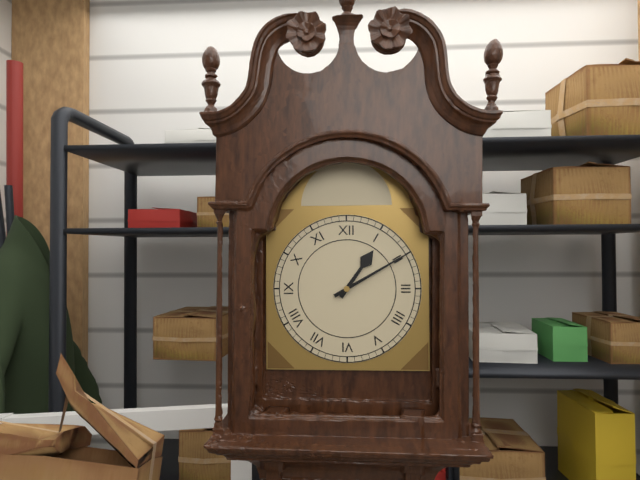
1:10
